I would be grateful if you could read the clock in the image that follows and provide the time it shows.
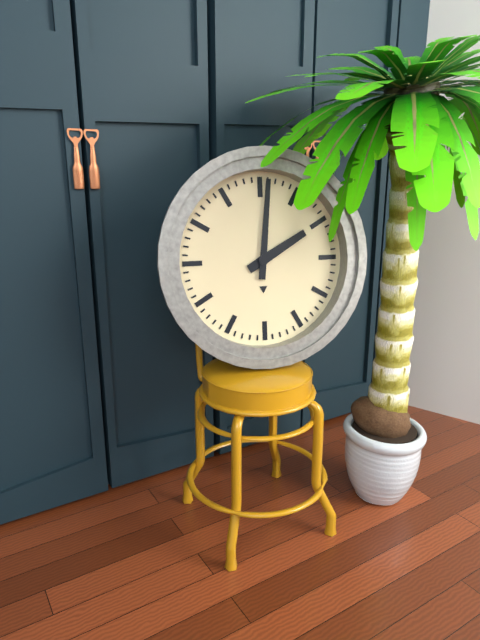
2:01
